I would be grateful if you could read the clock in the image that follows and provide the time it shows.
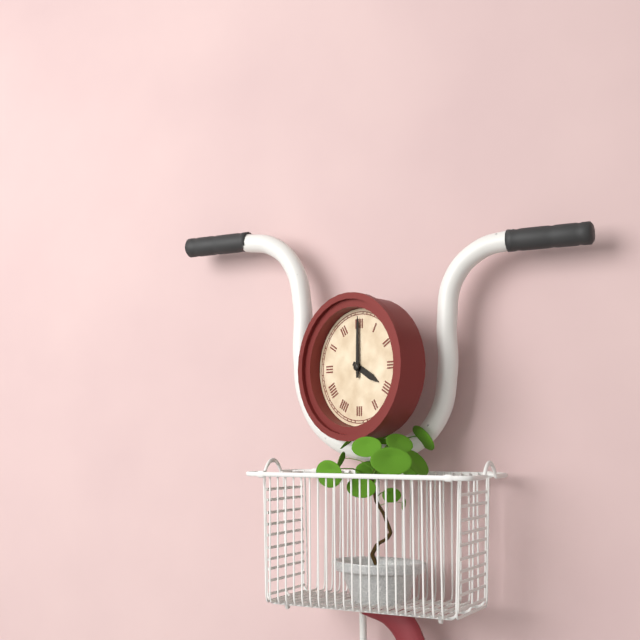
4:00
